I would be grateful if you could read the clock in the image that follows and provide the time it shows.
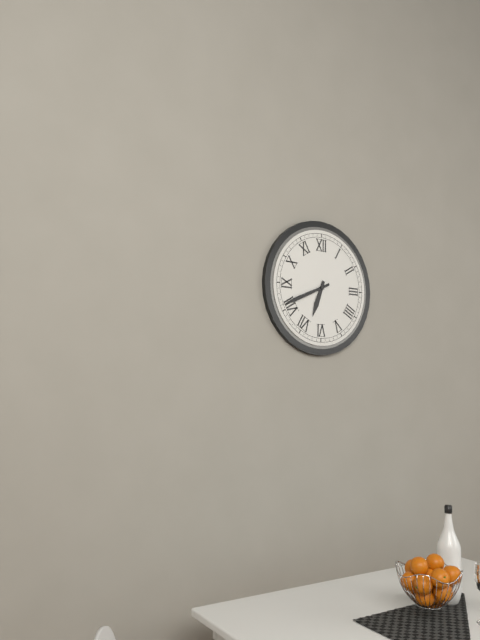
6:41
